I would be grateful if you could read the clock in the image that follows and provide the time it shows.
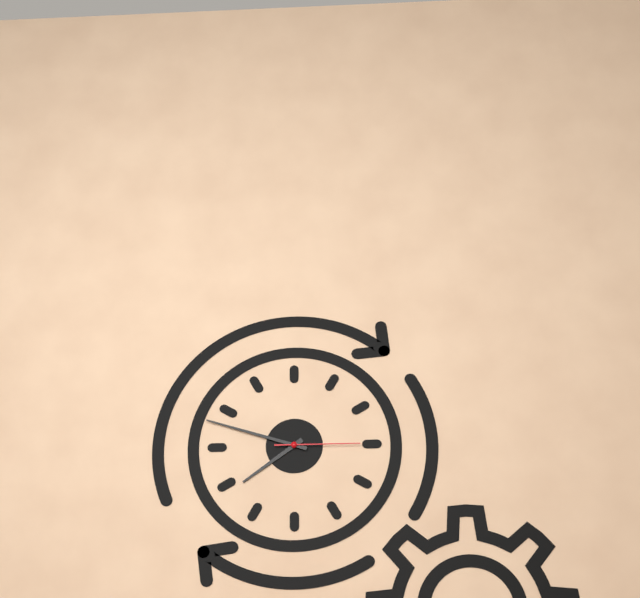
7:48:15
